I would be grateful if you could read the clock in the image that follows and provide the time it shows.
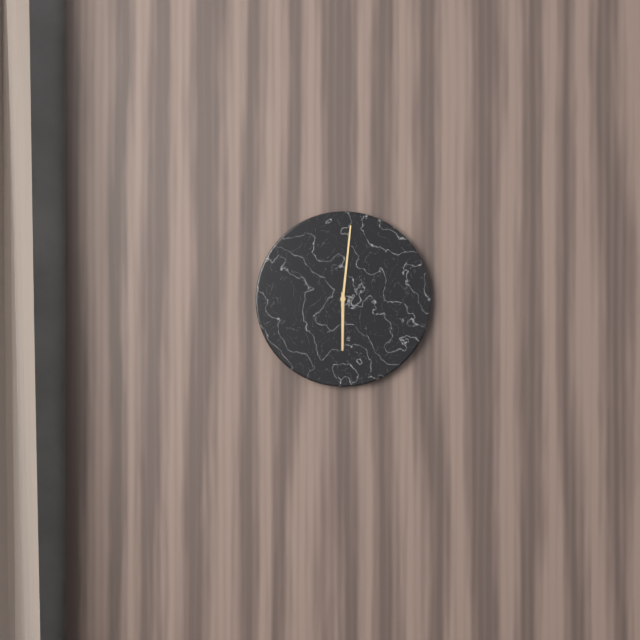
6:01
